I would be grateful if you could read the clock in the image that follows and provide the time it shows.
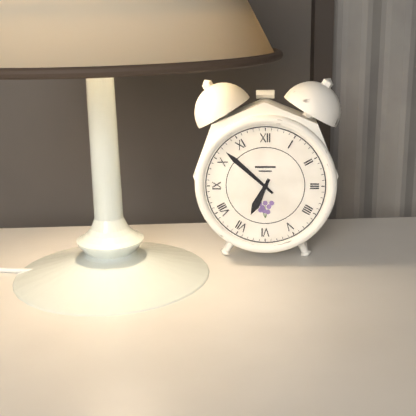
6:52
